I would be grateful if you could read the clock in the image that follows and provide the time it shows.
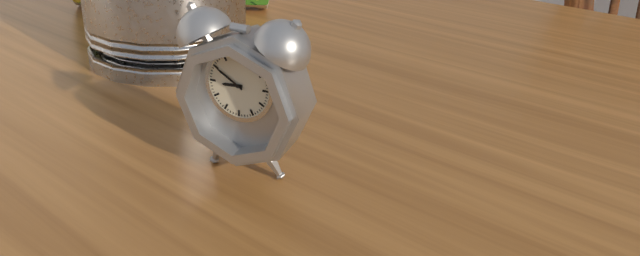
8:50
